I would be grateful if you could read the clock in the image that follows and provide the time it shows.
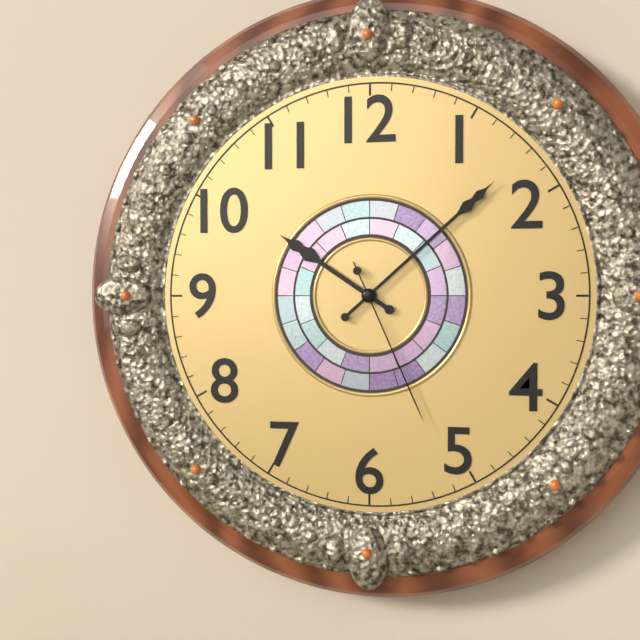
10:08:26
